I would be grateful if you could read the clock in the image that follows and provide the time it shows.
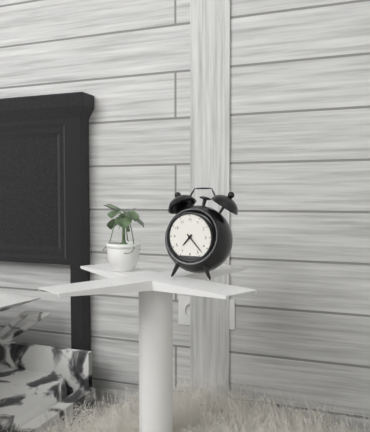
7:23
